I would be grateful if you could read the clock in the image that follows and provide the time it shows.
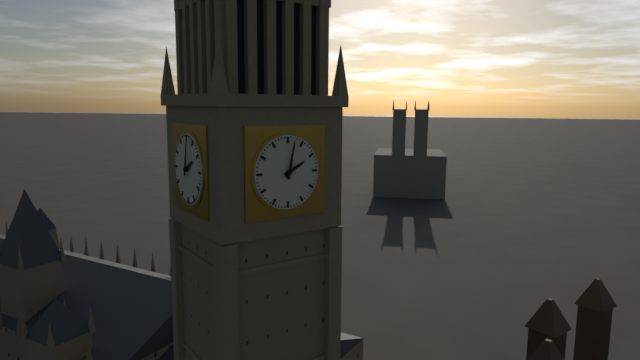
2:02
